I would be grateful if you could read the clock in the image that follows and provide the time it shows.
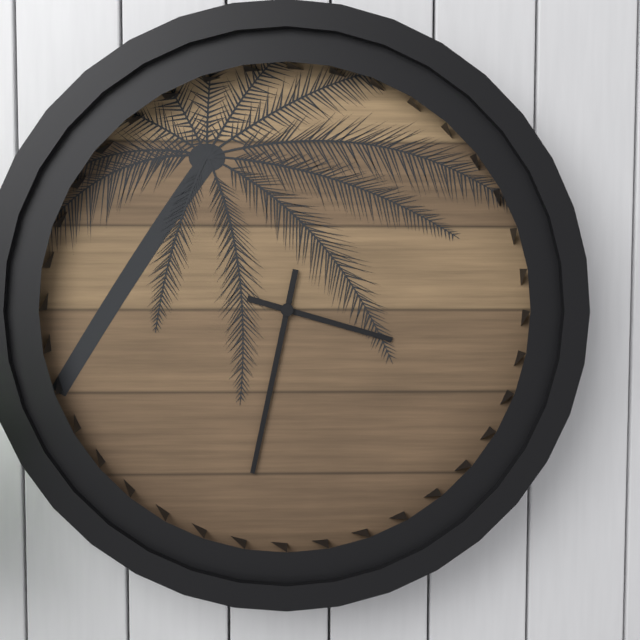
3:32
